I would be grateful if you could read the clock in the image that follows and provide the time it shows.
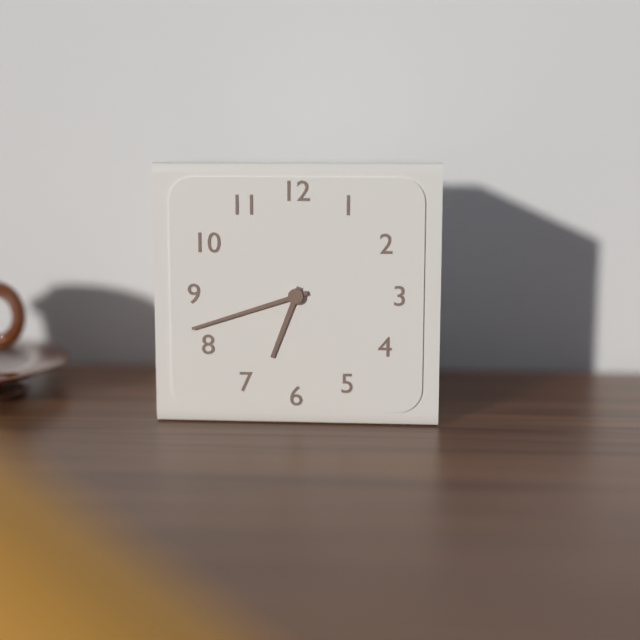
6:42
